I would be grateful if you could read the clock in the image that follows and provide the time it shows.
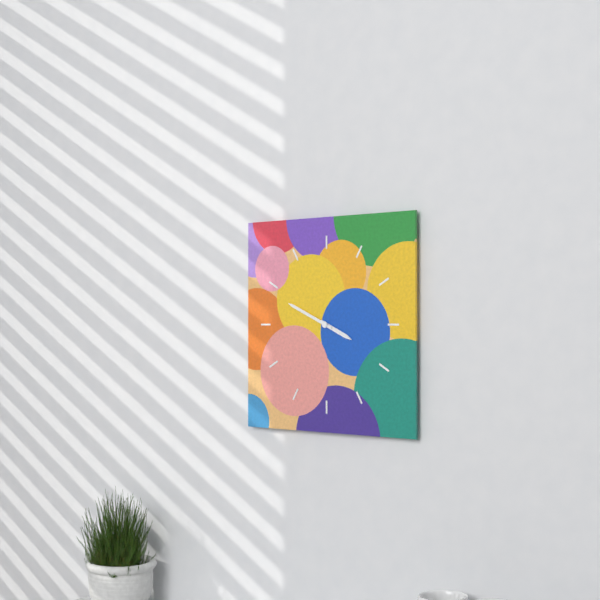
3:49
